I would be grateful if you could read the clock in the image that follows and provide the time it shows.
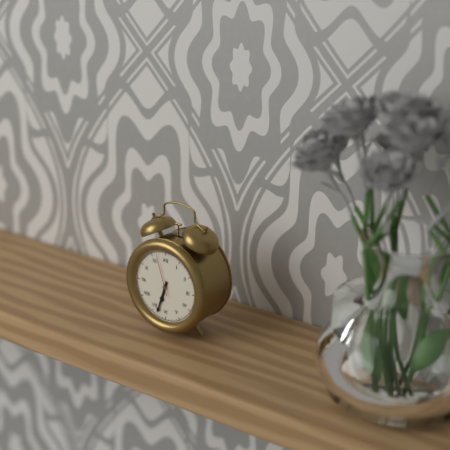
6:33
